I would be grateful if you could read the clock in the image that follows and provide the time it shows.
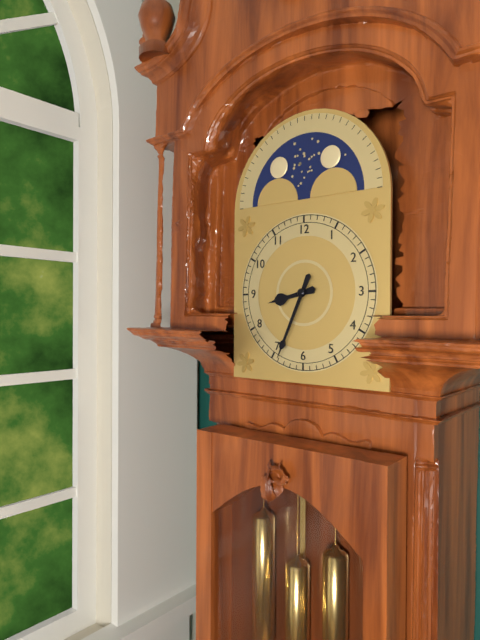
8:34
